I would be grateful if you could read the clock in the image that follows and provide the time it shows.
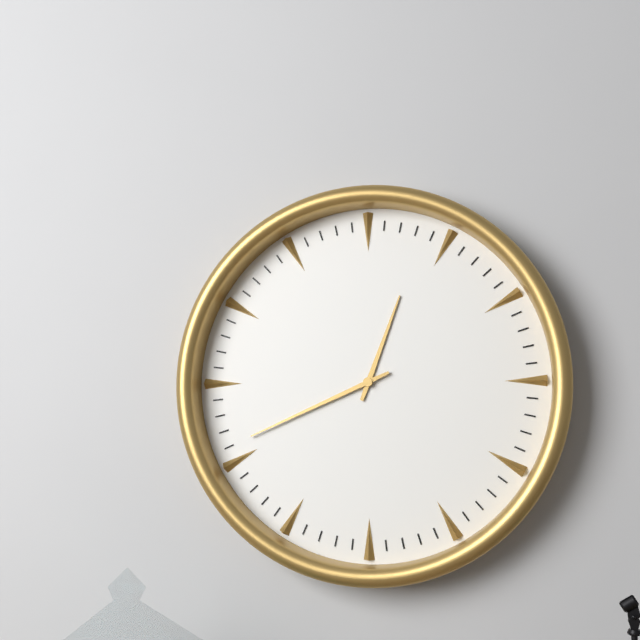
12:41
